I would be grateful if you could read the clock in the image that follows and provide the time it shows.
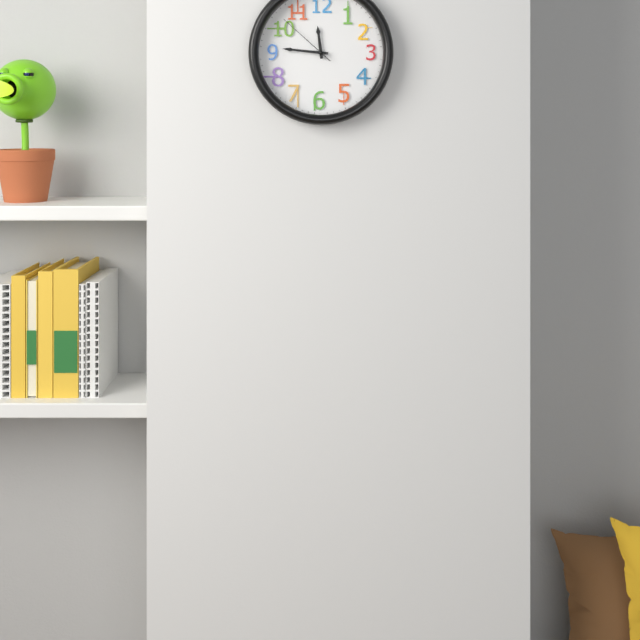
11:46:52
